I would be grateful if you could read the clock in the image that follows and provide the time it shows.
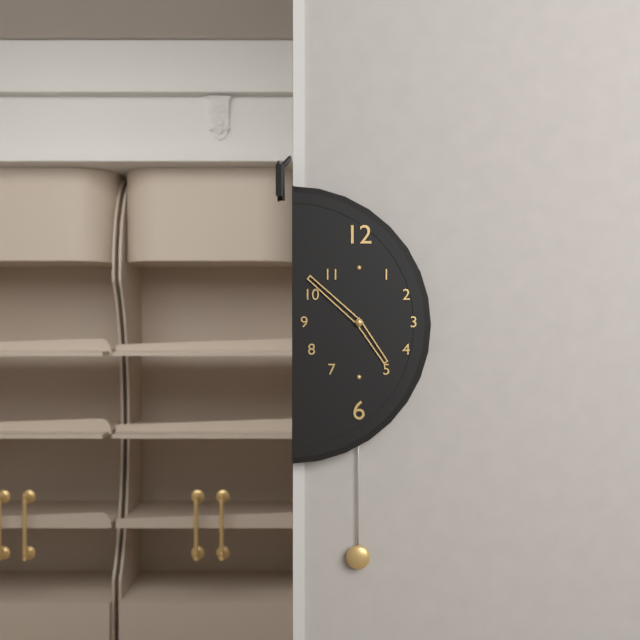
4:52
